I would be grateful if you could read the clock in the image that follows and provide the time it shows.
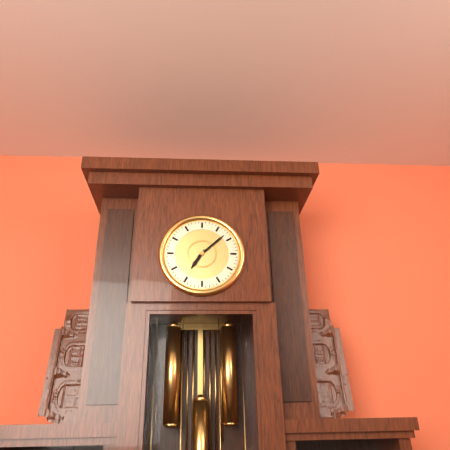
7:08
